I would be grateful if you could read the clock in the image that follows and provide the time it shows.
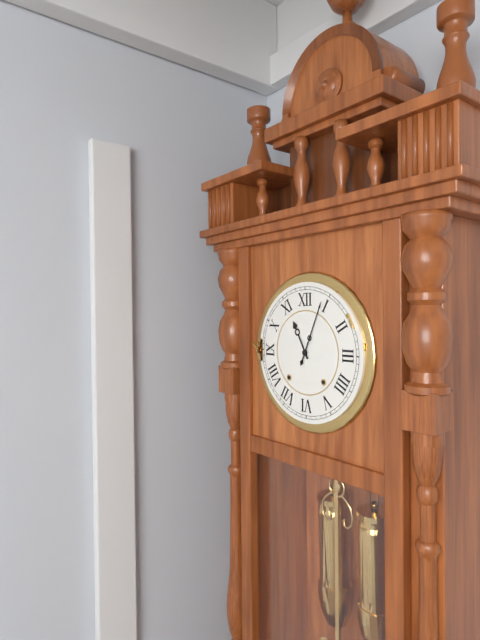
11:04
